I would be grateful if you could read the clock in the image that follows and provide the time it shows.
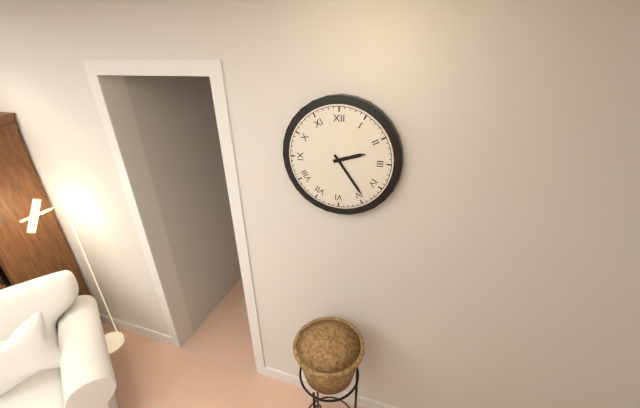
2:24
